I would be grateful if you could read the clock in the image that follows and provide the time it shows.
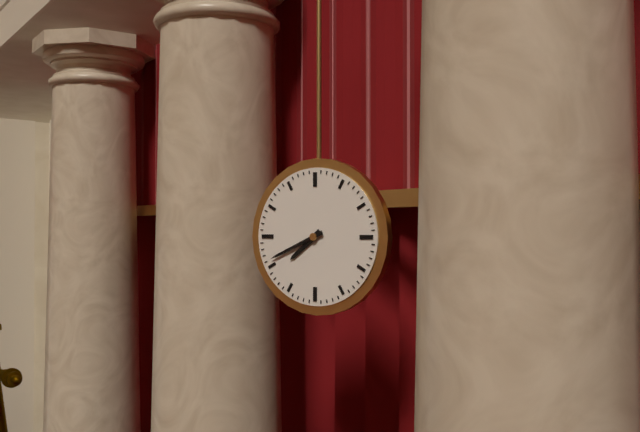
7:41
